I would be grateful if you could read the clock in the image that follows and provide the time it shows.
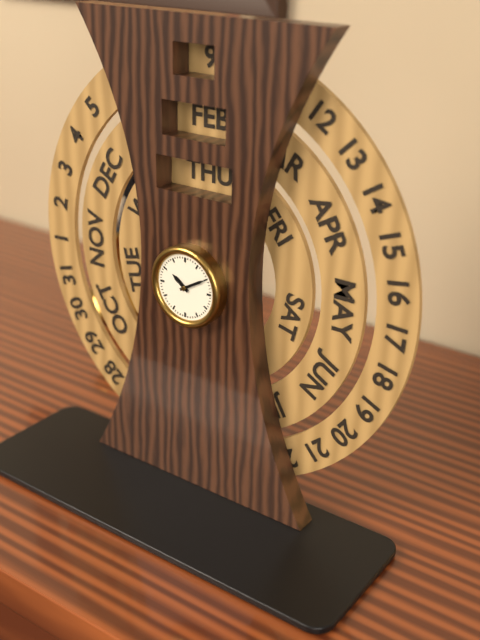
10:10
